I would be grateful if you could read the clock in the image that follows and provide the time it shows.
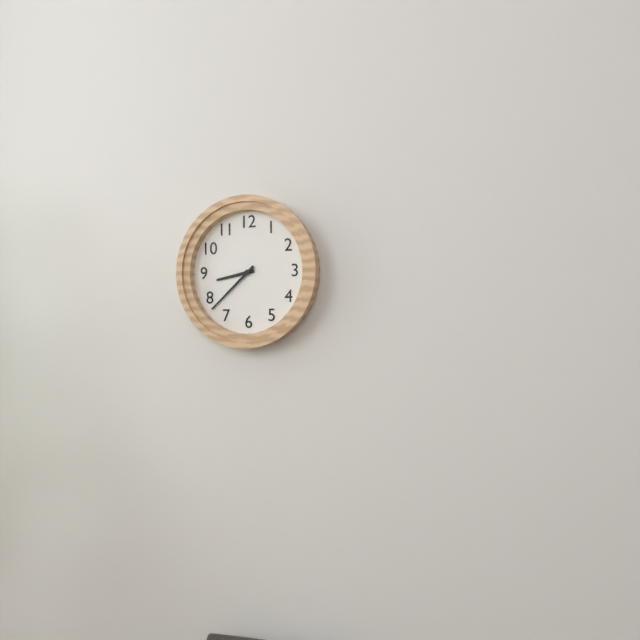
8:38
